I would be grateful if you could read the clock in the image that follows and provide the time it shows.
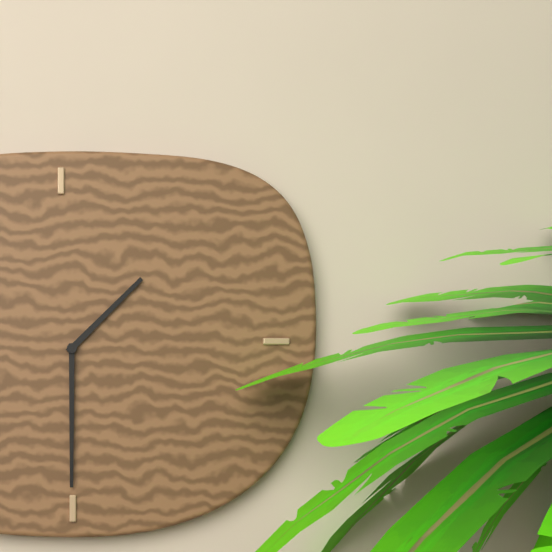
1:30
